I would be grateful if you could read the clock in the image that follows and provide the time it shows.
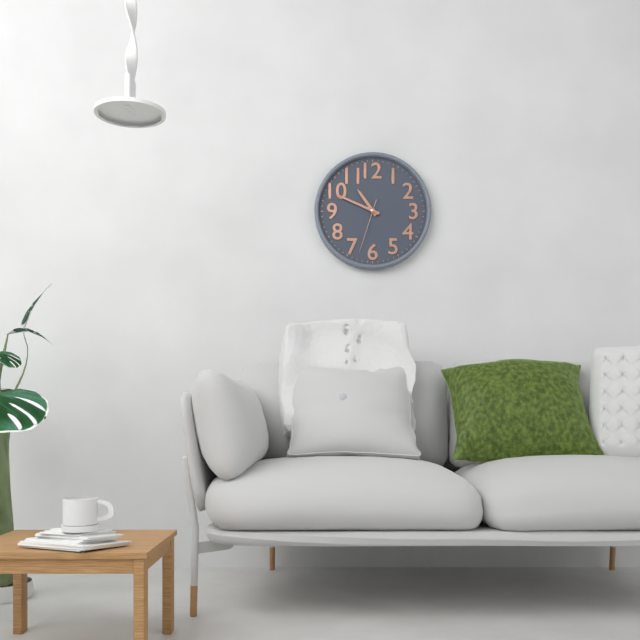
10:49:33
